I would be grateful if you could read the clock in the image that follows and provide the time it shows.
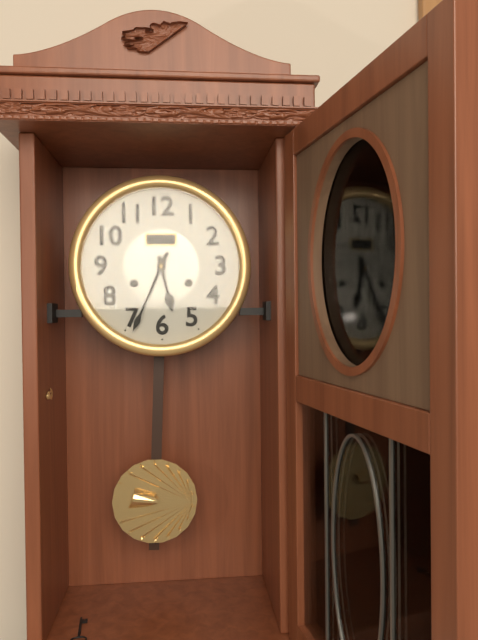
5:34
